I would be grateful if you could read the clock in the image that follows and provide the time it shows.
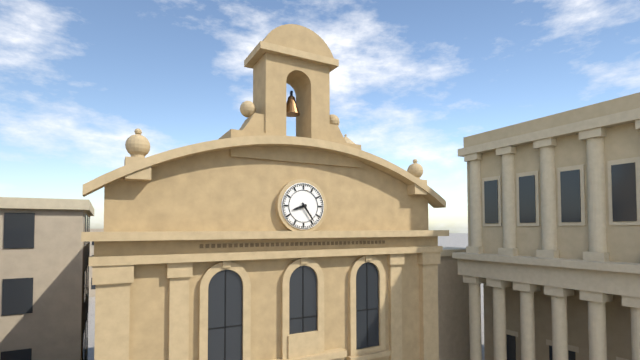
8:24
